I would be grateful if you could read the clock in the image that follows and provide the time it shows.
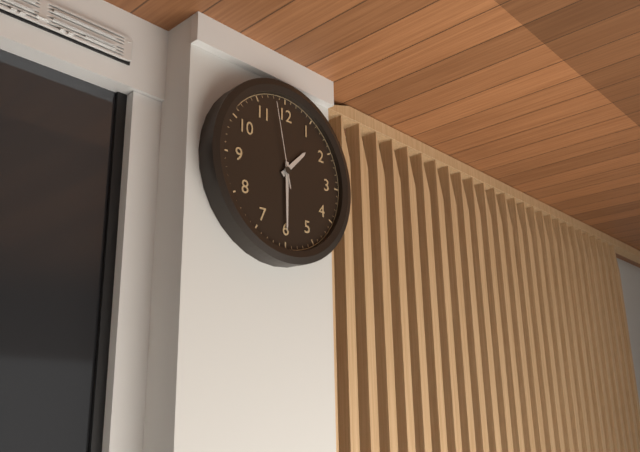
1:30:58
